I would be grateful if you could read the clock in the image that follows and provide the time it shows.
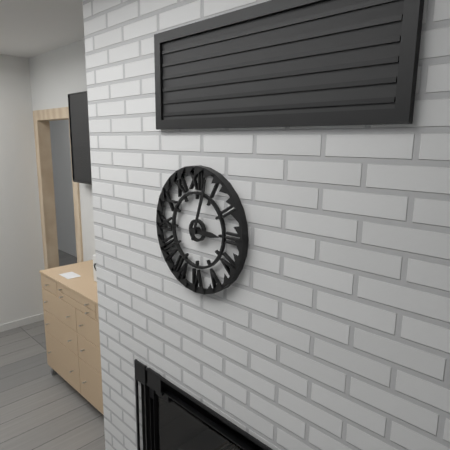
3:03
